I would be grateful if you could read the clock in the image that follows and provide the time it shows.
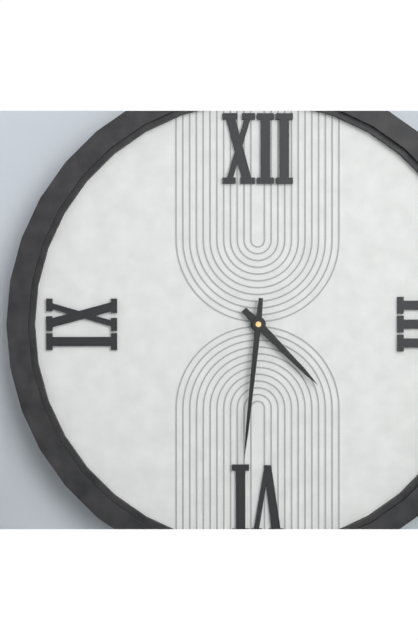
4:31
